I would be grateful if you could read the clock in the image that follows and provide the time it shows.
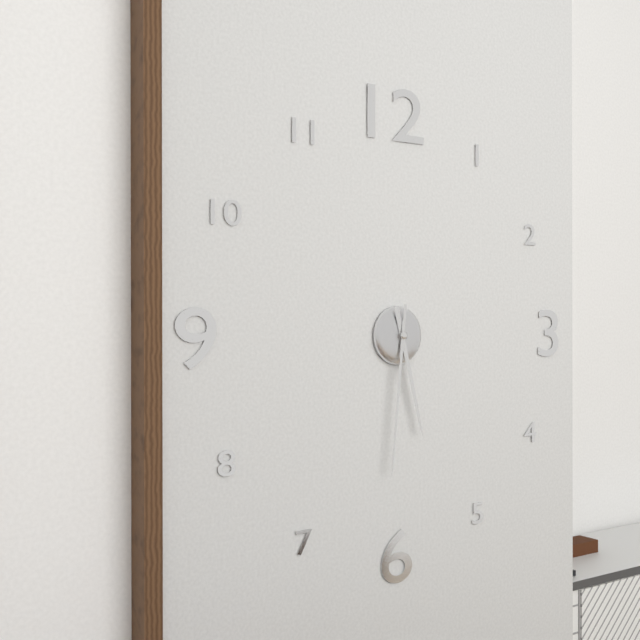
5:31
